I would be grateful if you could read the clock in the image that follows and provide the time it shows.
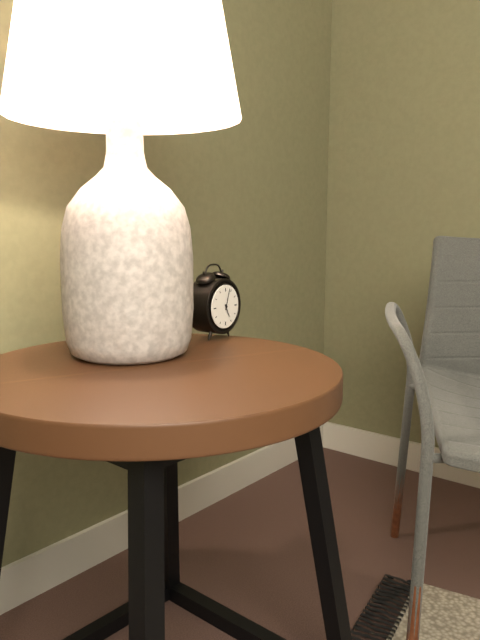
5:03
